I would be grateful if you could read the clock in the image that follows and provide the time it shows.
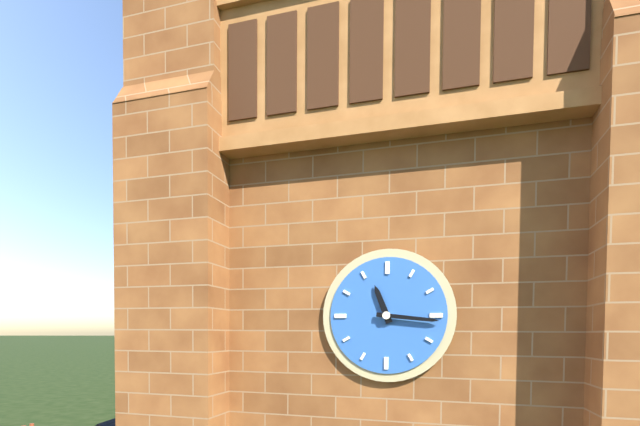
11:16
